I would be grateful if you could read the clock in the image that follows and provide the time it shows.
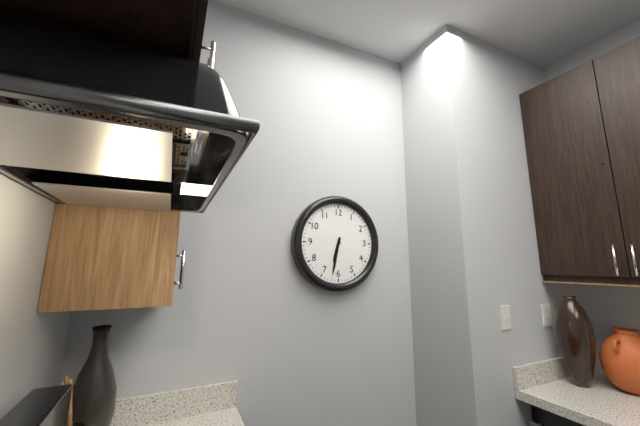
6:32
